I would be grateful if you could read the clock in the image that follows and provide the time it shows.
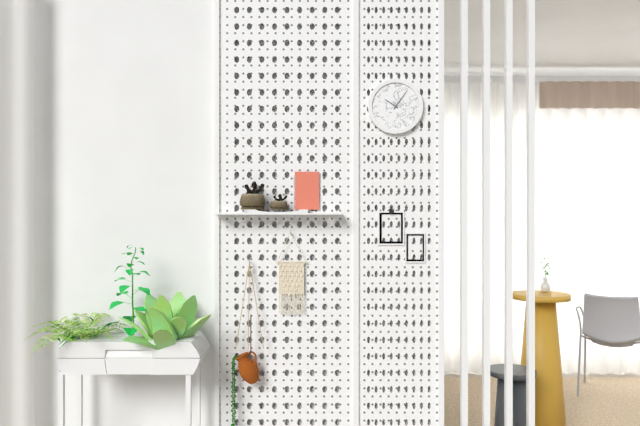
10:06
